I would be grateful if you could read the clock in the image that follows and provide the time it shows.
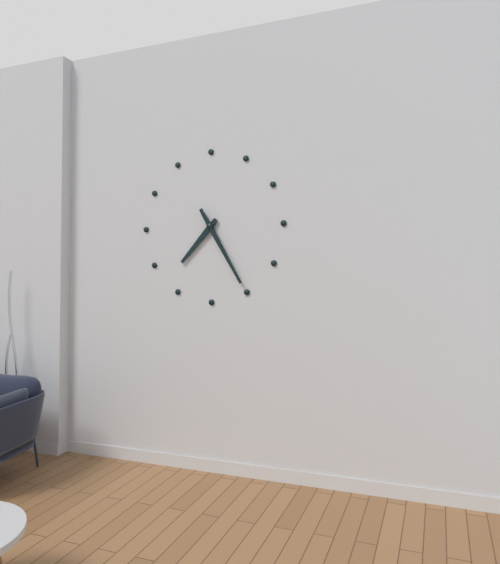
7:25
